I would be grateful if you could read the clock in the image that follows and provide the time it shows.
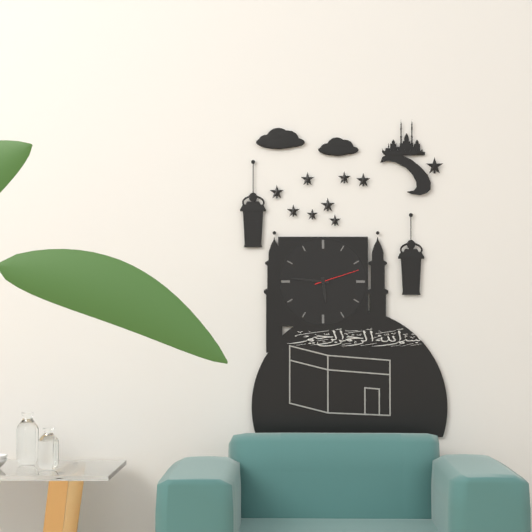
5:46
